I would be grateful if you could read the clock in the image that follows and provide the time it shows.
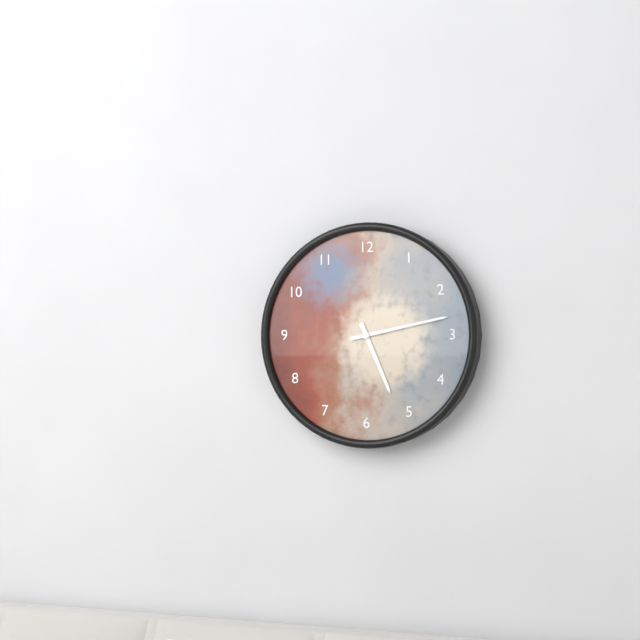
5:13
